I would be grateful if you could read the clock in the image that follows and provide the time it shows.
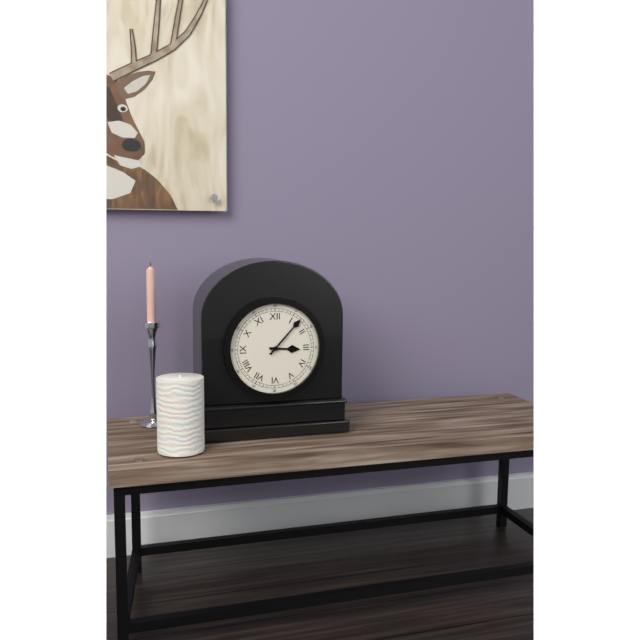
3:07
